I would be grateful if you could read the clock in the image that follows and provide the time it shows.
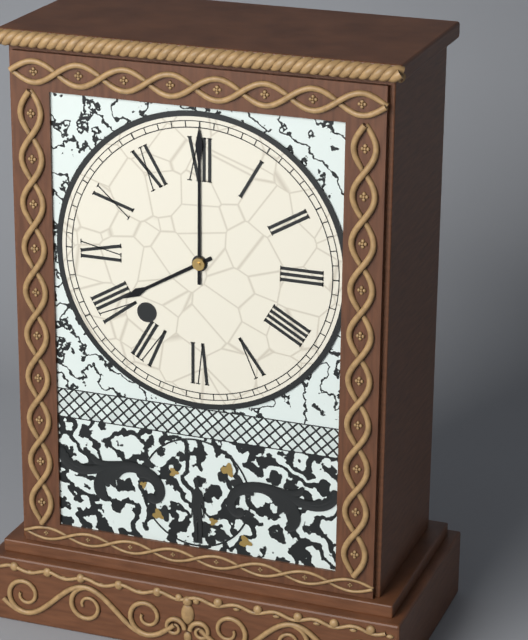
8:00
